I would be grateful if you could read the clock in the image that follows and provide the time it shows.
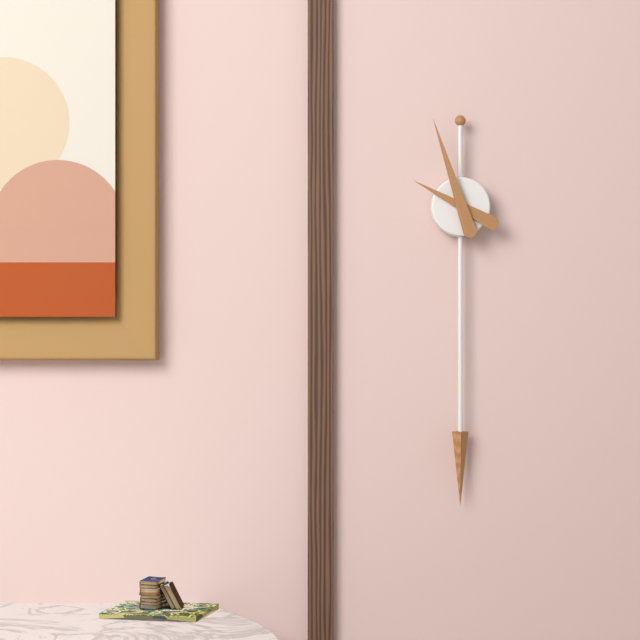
9:57
